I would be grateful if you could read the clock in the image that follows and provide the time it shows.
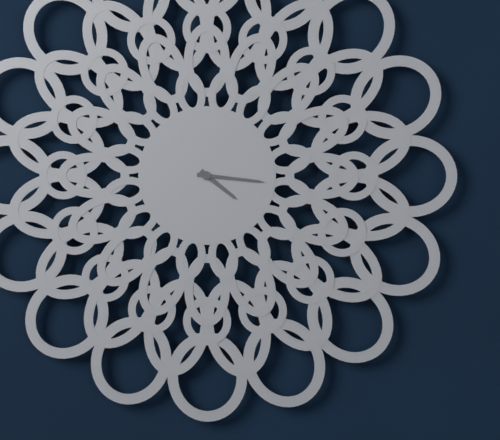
4:16
